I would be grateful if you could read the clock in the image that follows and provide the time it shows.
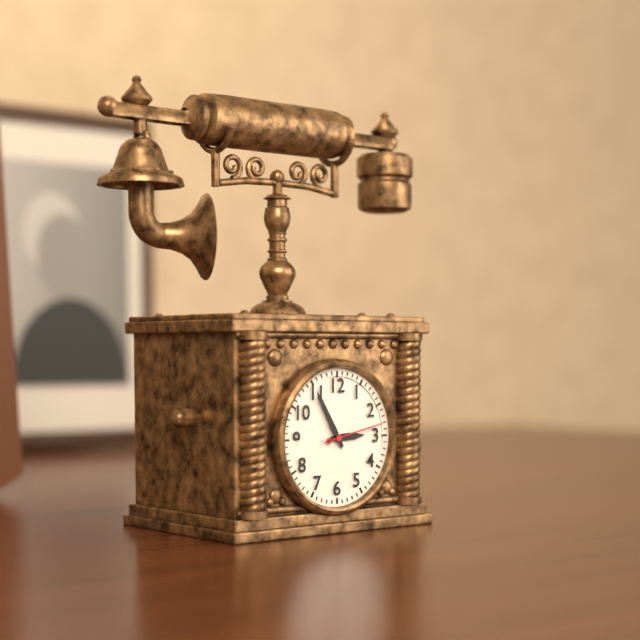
2:55:13
